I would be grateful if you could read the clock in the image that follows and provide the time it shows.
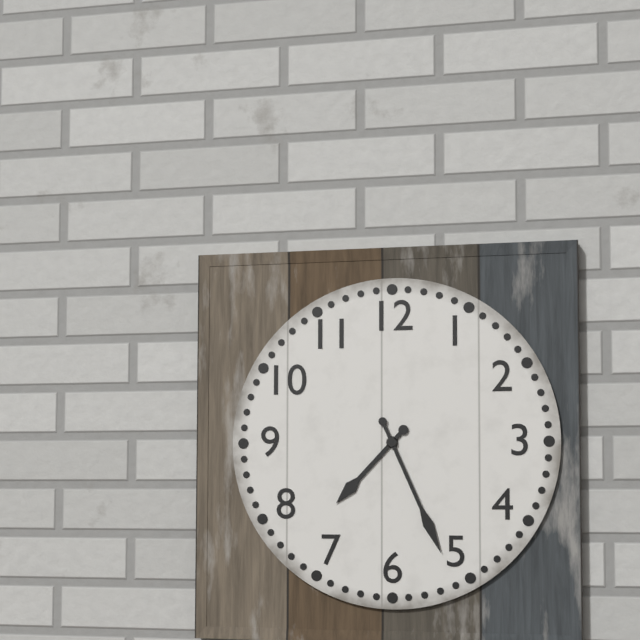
7:26
